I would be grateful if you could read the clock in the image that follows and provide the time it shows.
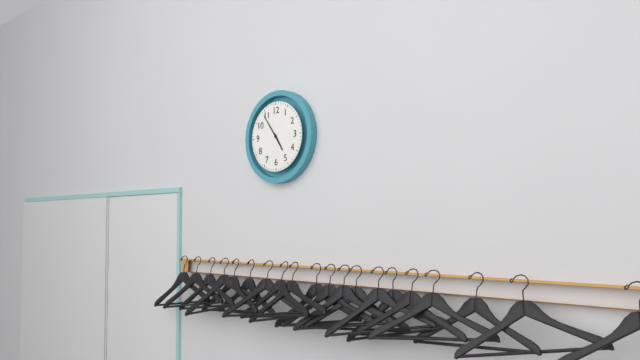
4:54
